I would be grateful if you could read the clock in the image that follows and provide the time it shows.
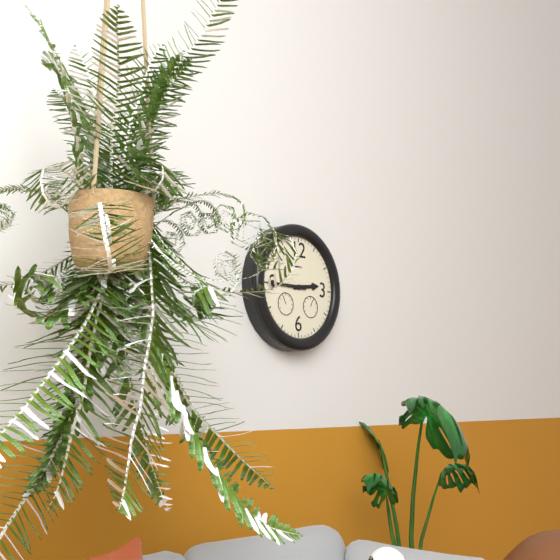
2:45
